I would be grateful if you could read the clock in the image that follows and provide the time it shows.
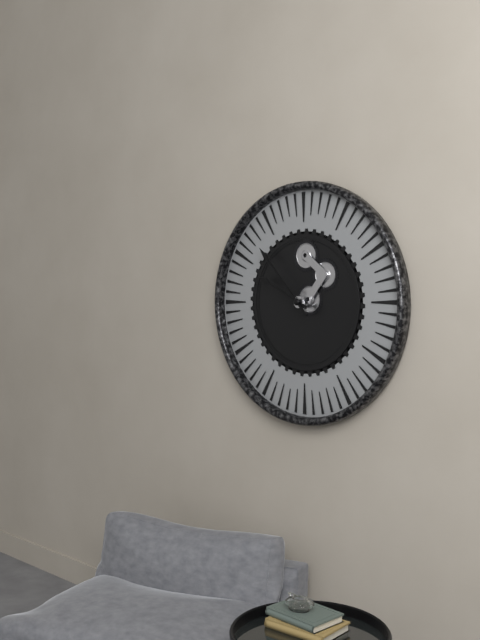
9:53
